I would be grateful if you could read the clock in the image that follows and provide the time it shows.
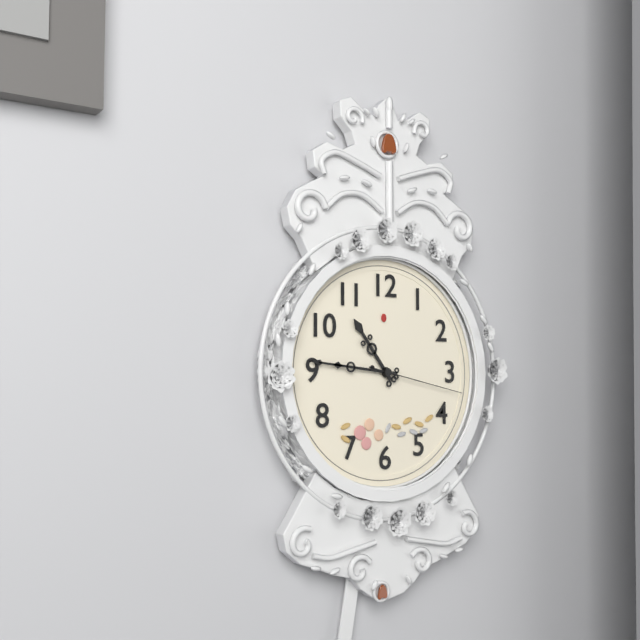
10:46:17
